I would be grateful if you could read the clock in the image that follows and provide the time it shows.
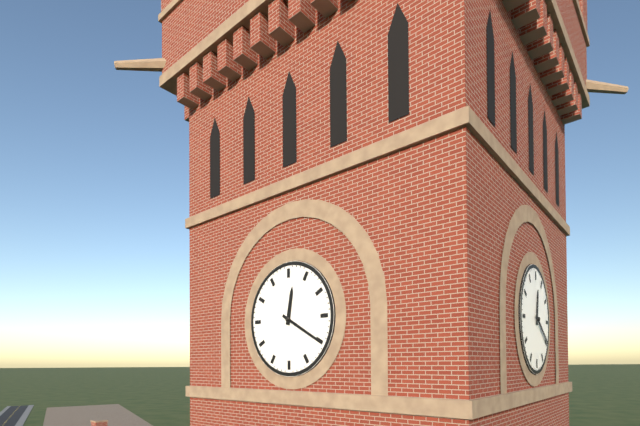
12:20
